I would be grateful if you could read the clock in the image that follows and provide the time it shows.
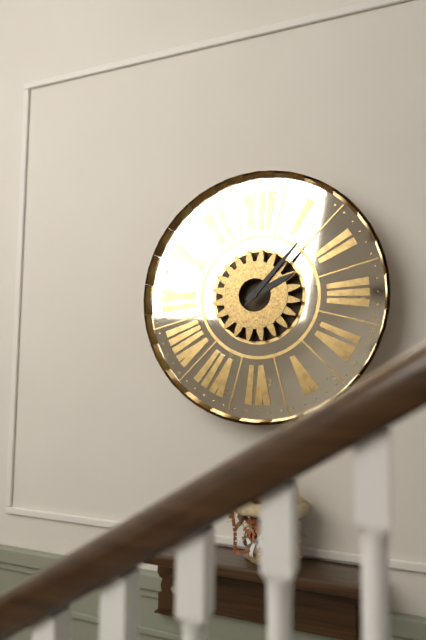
2:07
